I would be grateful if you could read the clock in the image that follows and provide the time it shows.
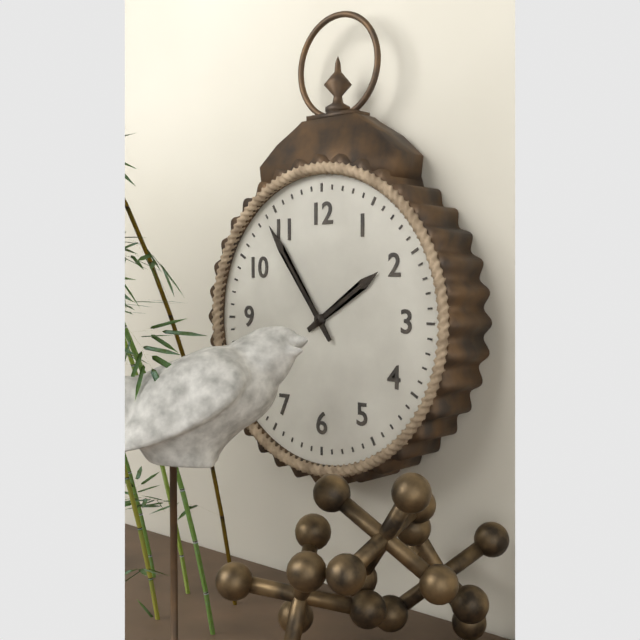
1:54
